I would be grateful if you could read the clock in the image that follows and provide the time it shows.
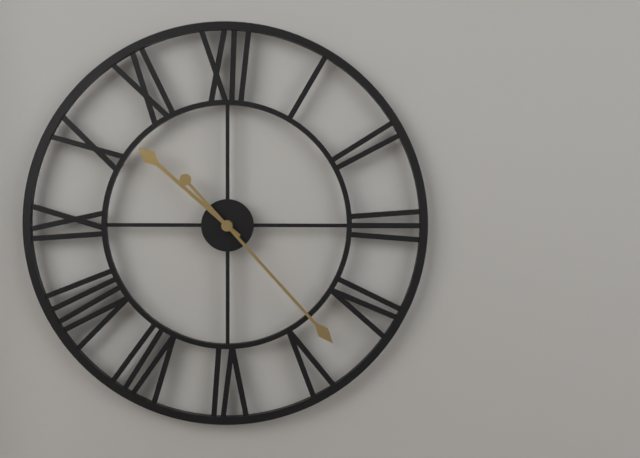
10:23
